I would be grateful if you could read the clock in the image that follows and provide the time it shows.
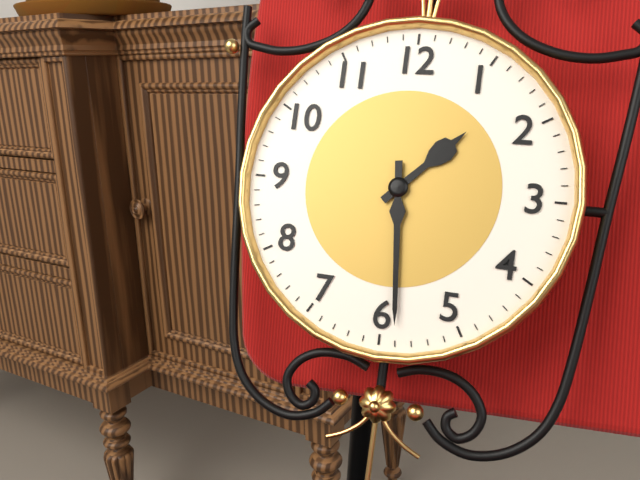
1:29
